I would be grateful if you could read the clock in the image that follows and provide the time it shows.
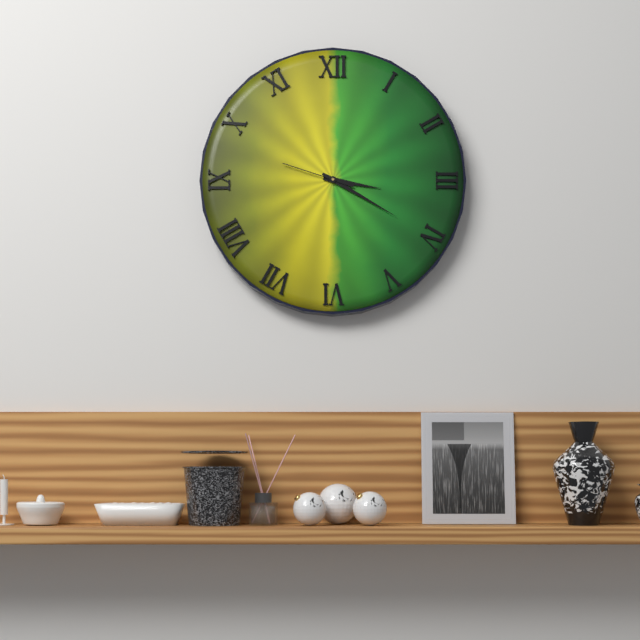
3:20:48
